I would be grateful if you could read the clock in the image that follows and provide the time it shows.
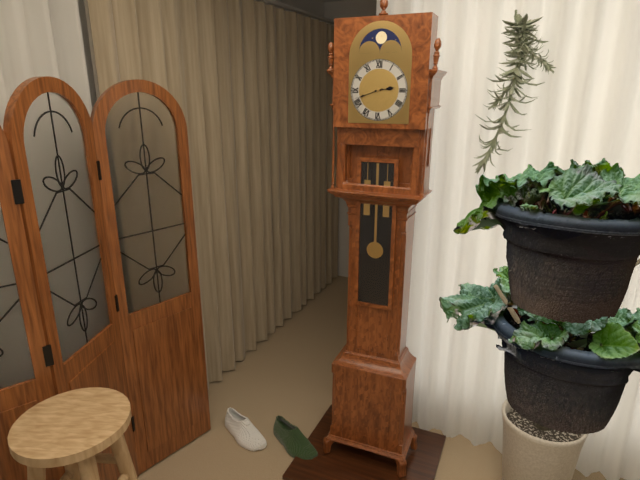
2:42
